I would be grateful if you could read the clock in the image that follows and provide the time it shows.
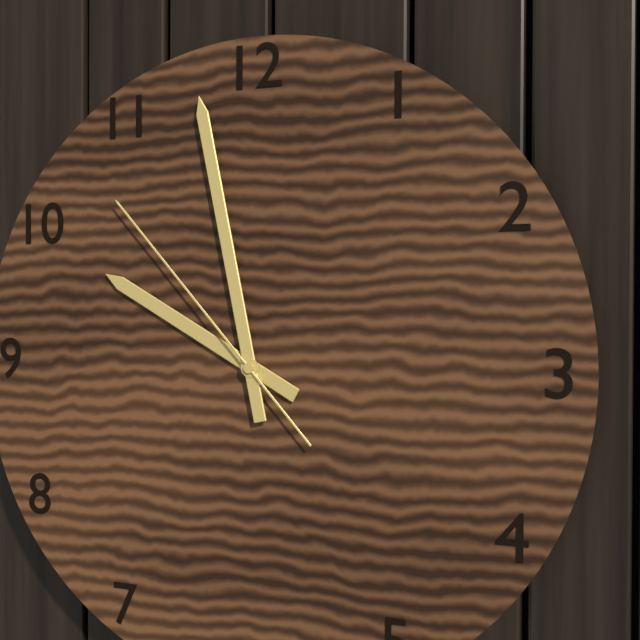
9:58:53
